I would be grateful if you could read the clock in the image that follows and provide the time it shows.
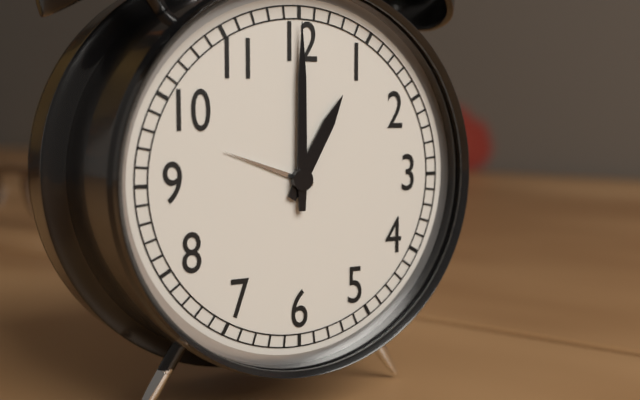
1:00
